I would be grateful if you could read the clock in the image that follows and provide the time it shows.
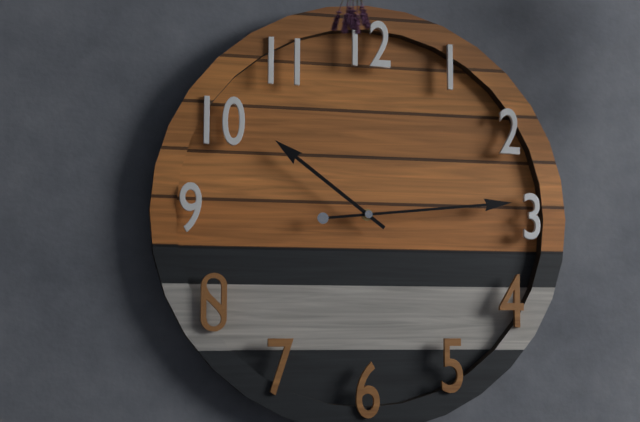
10:14
